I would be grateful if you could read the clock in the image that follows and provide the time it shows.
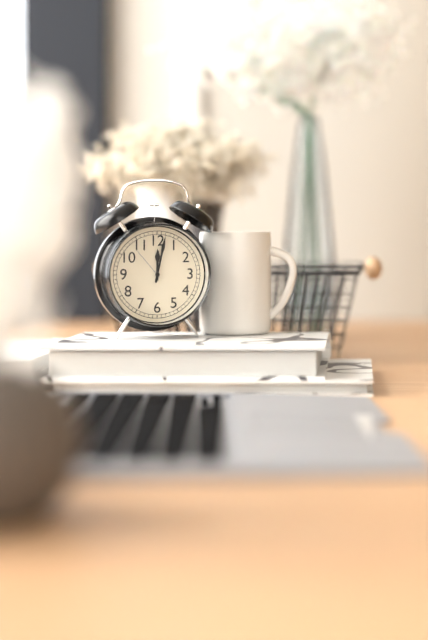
12:02
